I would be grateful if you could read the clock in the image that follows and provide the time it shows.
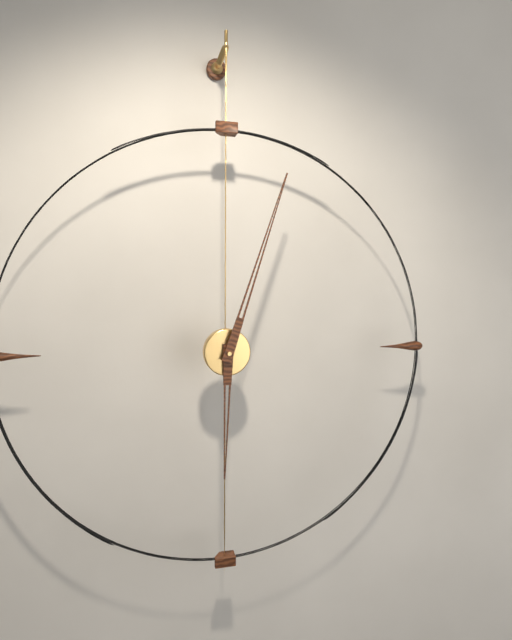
6:03
